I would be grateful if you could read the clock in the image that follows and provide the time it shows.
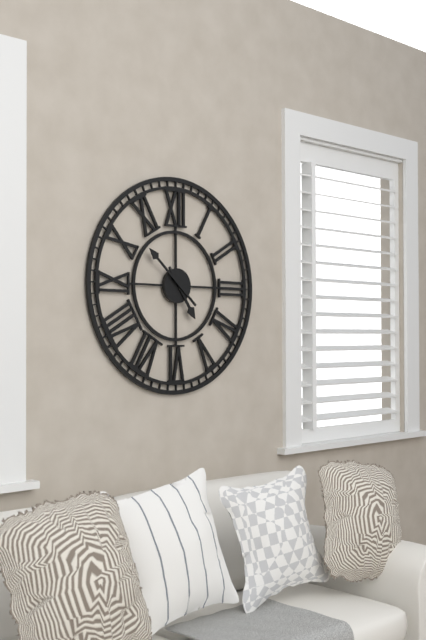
4:52
